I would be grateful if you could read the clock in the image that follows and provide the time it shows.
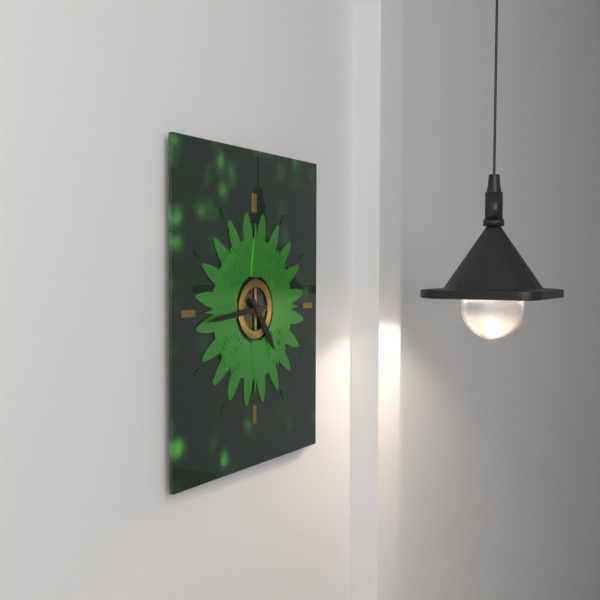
4:44
